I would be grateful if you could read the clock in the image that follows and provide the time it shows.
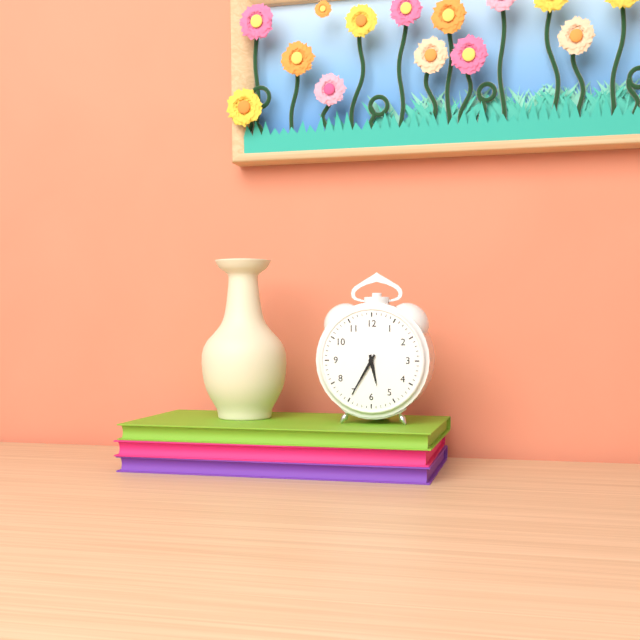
5:35
